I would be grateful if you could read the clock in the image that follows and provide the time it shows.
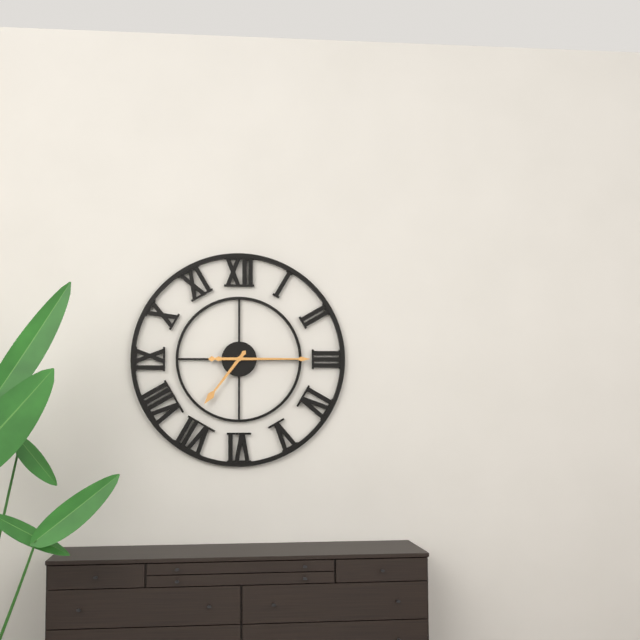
7:15
